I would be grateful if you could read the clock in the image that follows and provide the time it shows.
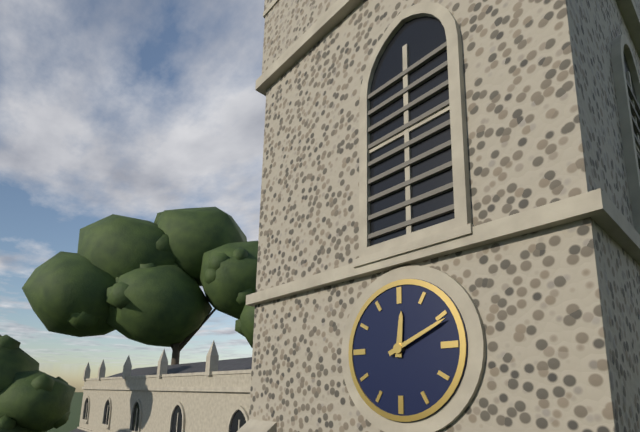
12:11
